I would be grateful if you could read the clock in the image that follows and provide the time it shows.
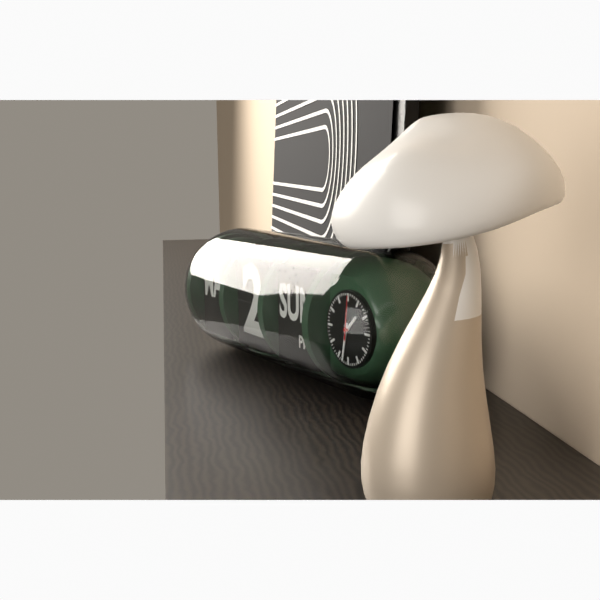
1:32
